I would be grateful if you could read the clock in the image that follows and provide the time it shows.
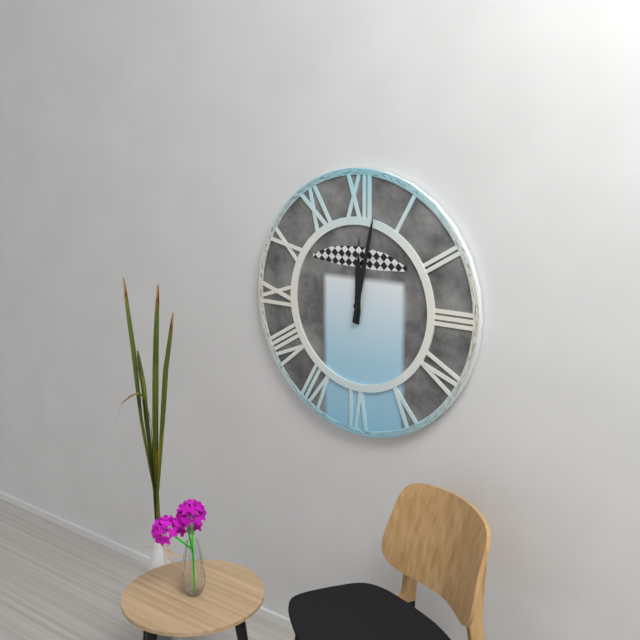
12:02
